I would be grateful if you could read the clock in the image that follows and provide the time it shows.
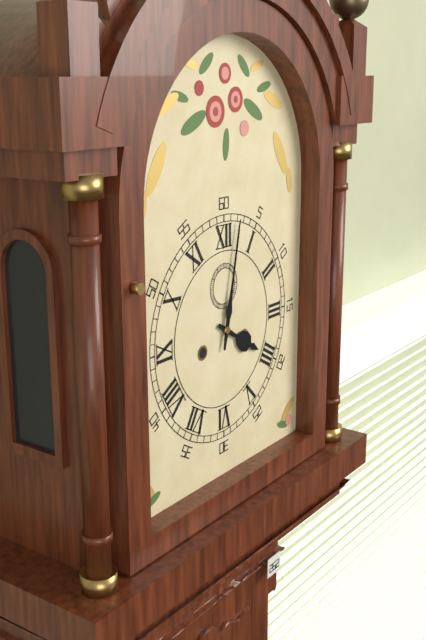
4:02
